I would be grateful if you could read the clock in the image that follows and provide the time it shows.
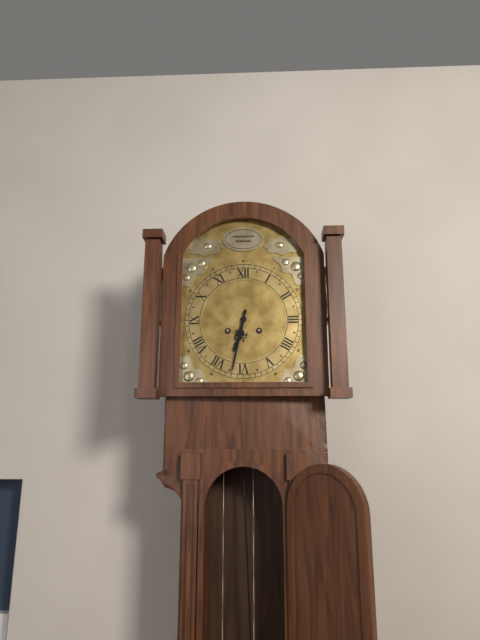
6:32
